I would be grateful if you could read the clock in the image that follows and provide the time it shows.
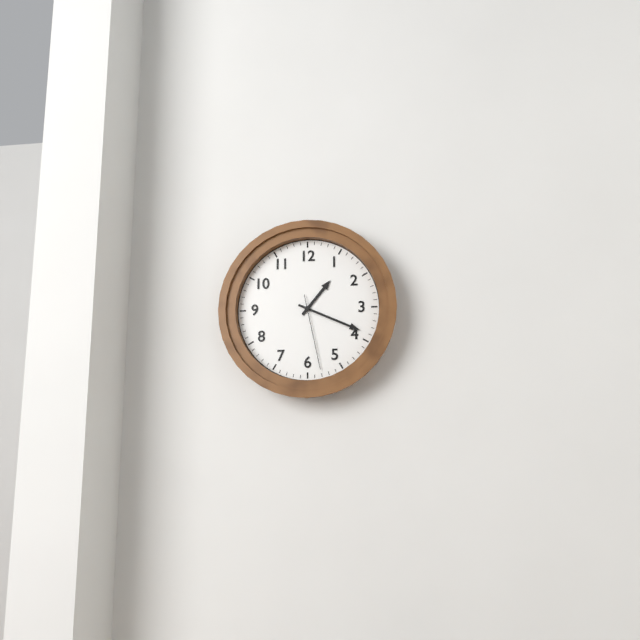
1:19:28
